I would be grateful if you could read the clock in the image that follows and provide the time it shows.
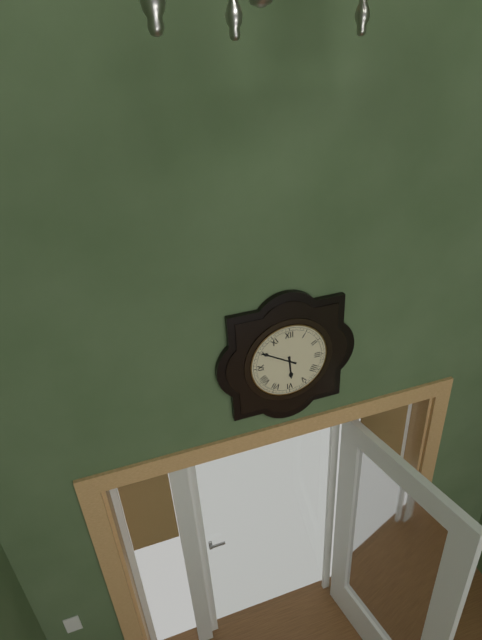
5:50
